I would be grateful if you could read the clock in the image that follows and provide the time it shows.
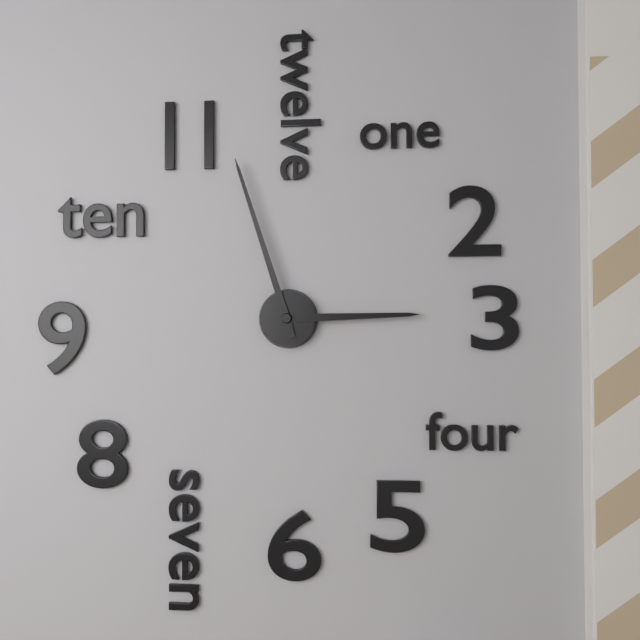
2:57
